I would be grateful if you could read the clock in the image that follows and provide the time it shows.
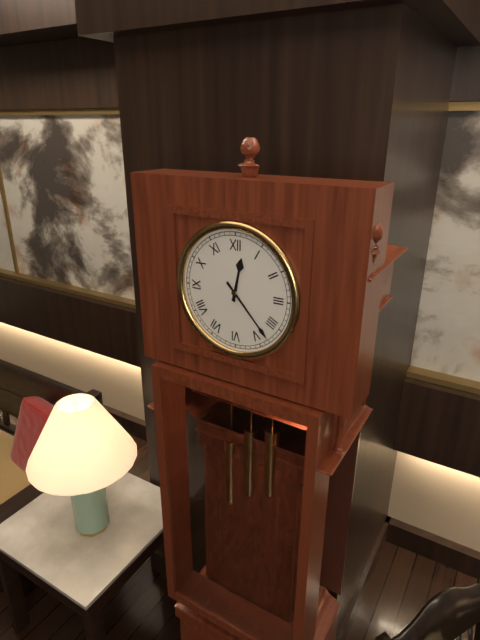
12:23
